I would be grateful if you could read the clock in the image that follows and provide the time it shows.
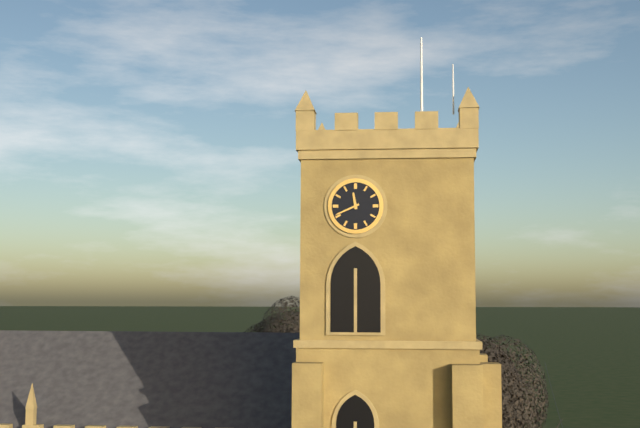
11:41
